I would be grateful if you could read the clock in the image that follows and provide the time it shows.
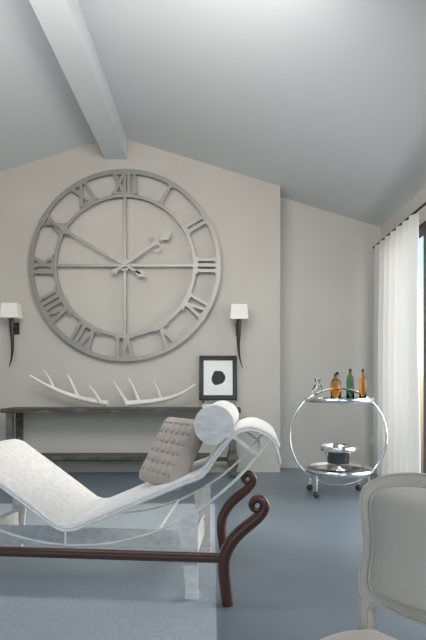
1:50
